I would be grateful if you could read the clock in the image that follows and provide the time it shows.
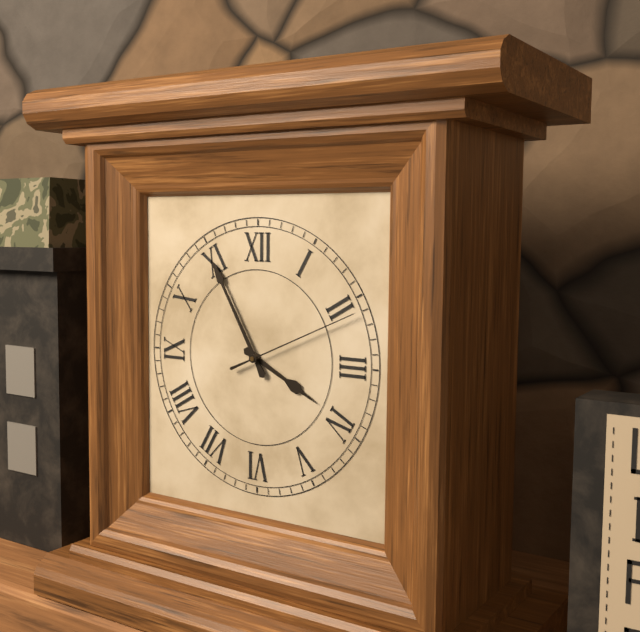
3:55:11
